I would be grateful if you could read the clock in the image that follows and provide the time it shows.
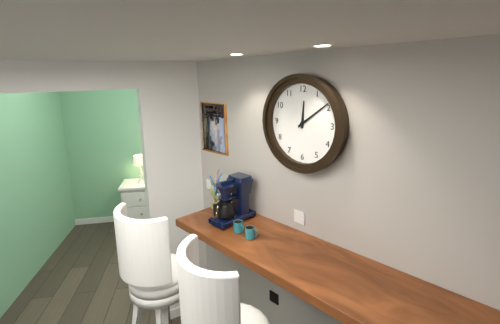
12:09
